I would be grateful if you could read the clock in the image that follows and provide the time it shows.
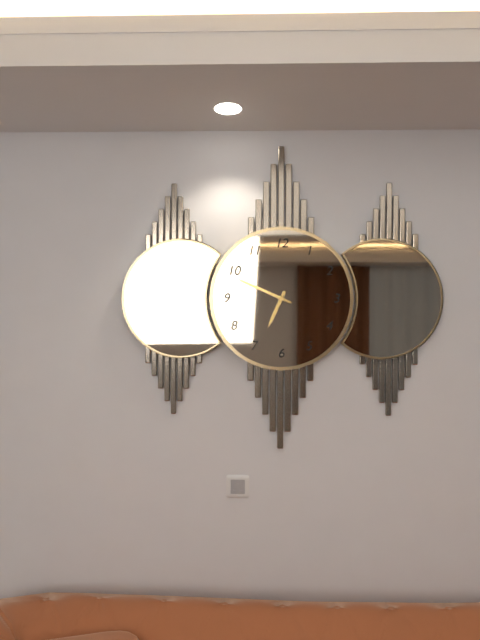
6:49
